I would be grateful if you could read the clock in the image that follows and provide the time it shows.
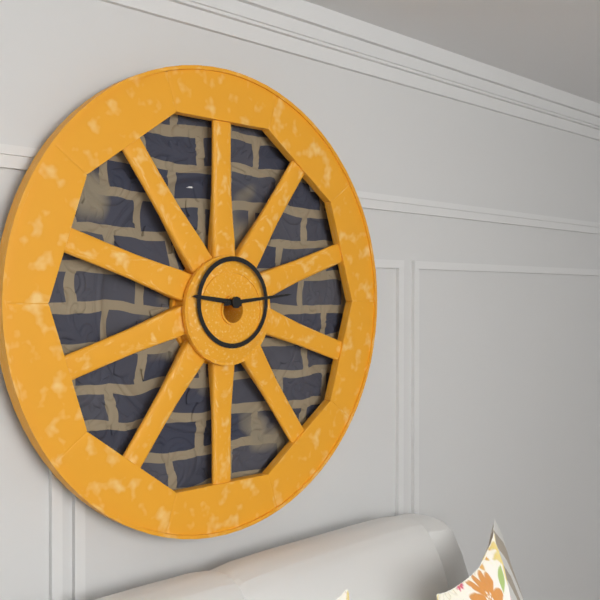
9:14
